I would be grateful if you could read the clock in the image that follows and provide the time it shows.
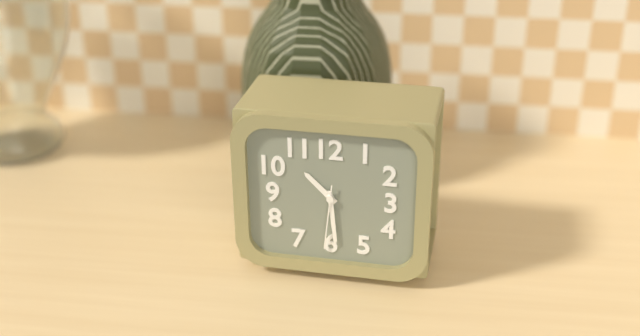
10:29:31
